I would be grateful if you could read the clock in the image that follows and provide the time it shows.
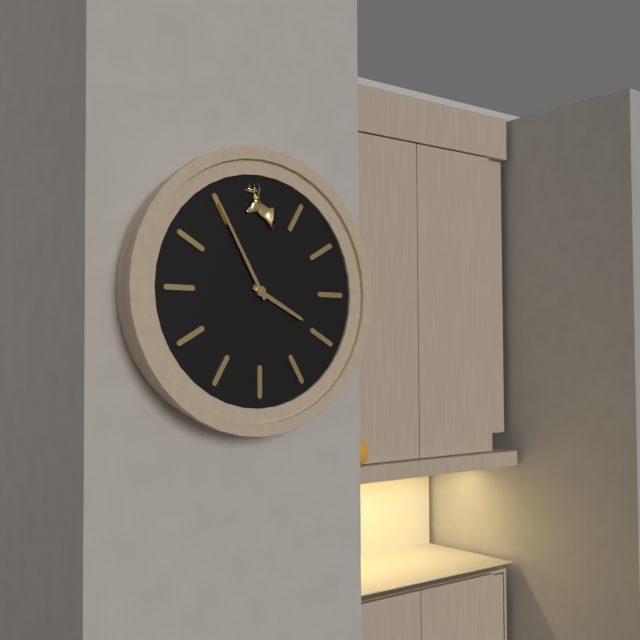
3:55
